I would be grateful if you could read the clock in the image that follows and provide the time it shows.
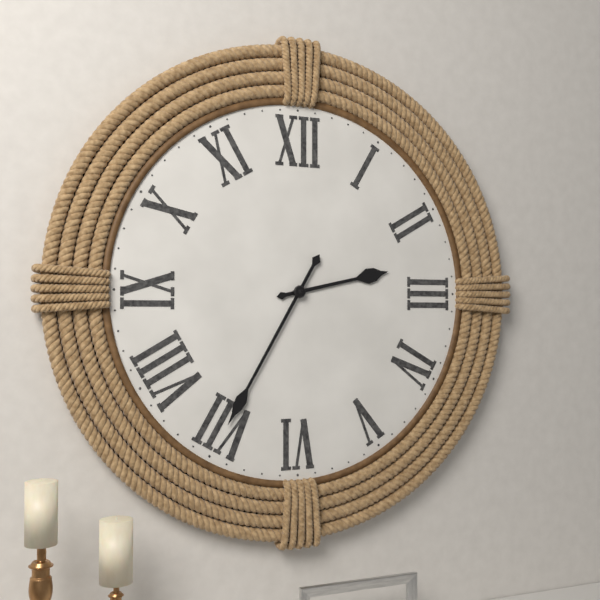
2:35
